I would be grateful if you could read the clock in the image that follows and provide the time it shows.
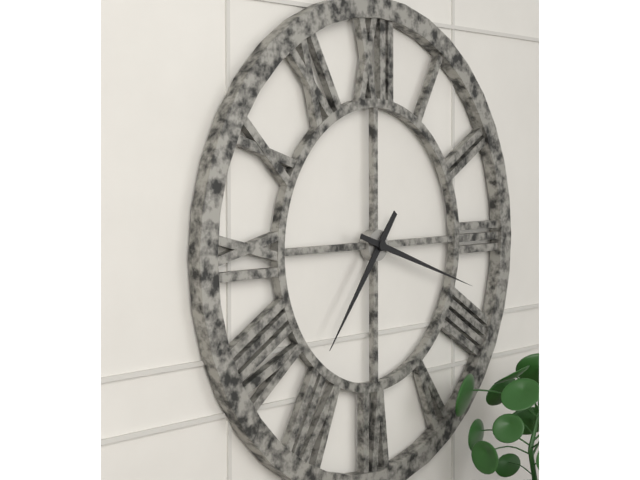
7:18
